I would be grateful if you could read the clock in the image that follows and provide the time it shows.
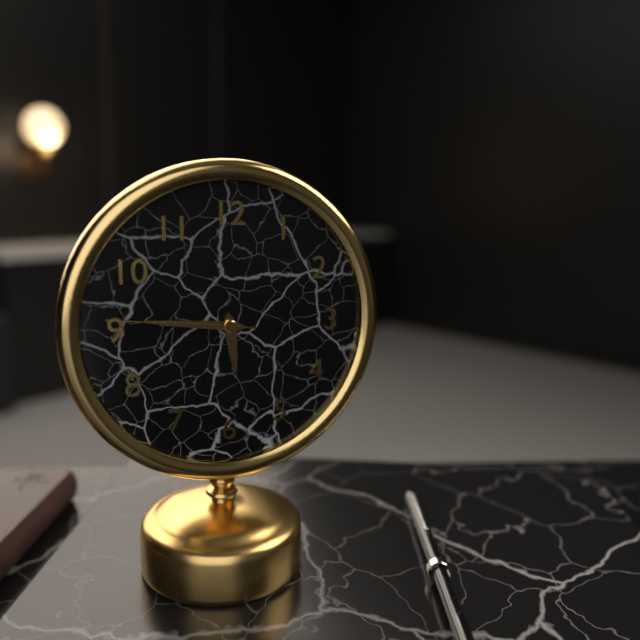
5:46:46
